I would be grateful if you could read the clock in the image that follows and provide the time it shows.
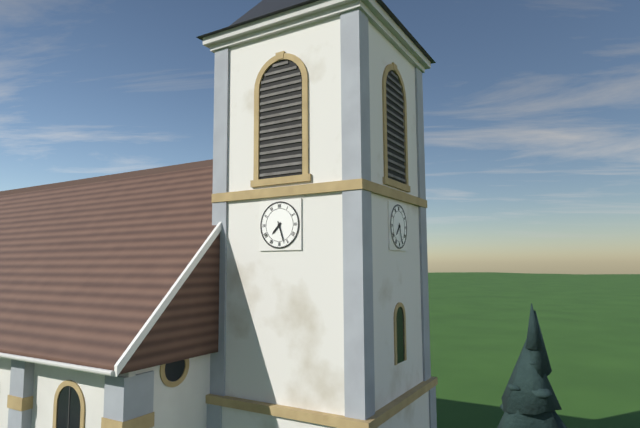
7:27
